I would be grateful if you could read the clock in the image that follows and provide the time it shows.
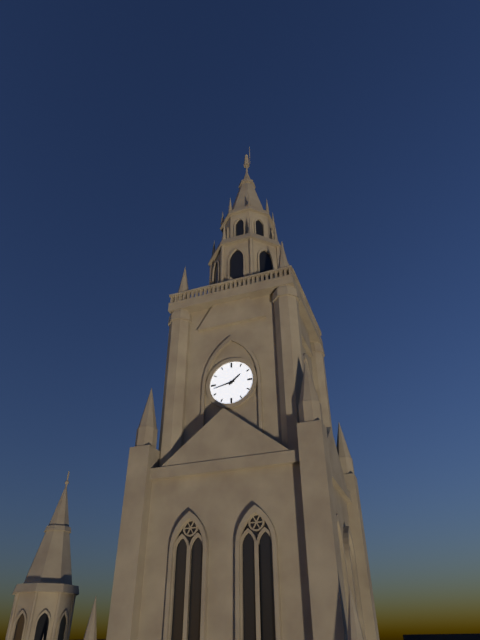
1:43
